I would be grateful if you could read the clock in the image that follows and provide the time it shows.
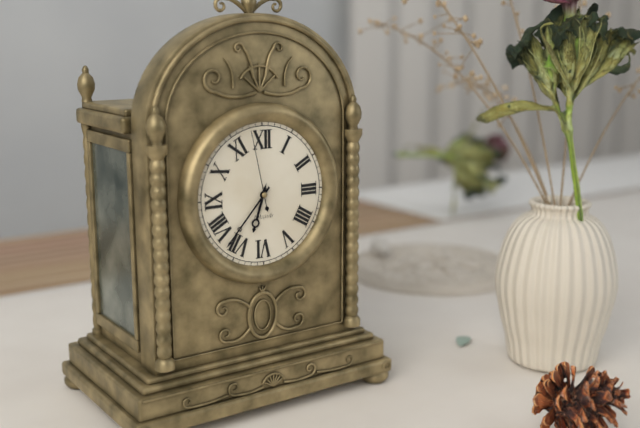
6:37:58
